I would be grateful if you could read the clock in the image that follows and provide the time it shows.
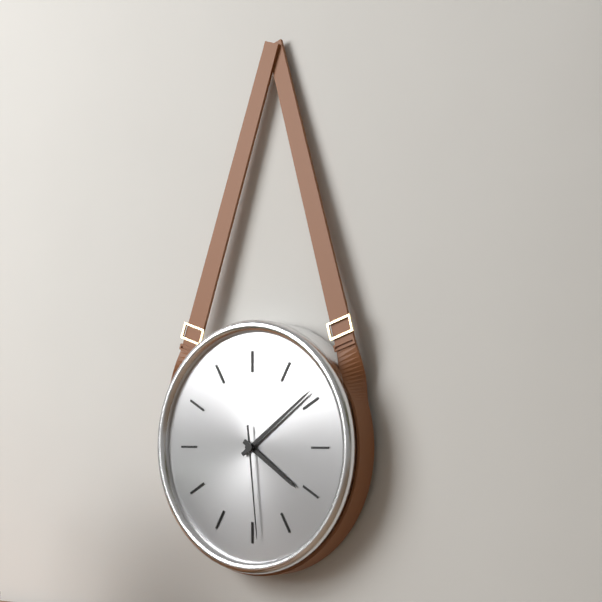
4:09:29
